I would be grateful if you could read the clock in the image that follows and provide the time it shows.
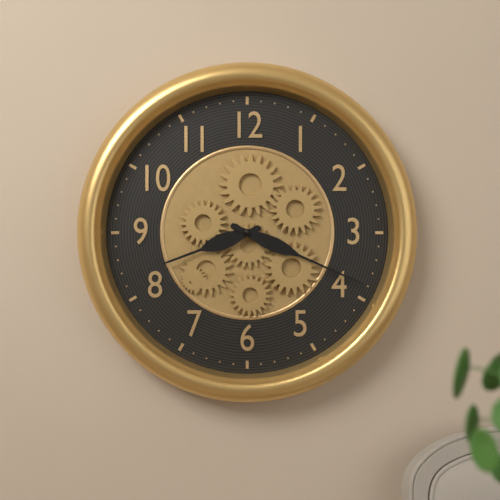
8:19
